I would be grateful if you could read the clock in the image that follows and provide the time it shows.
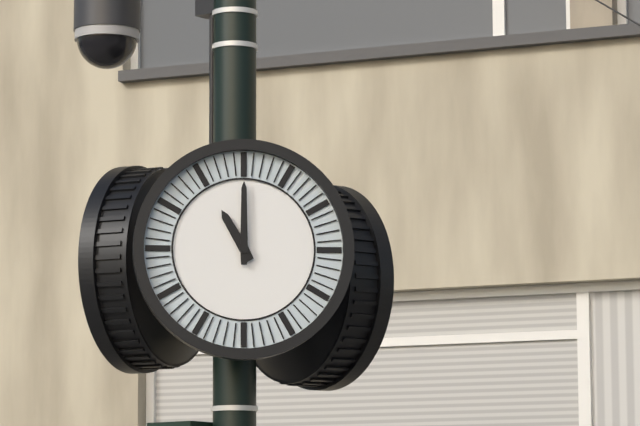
11:00
